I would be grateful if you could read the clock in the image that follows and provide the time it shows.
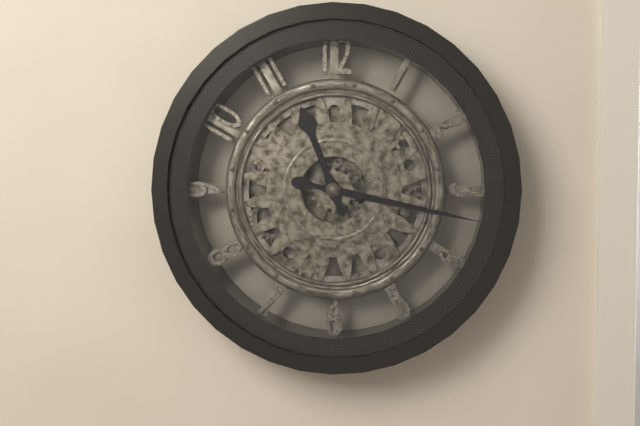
11:17
